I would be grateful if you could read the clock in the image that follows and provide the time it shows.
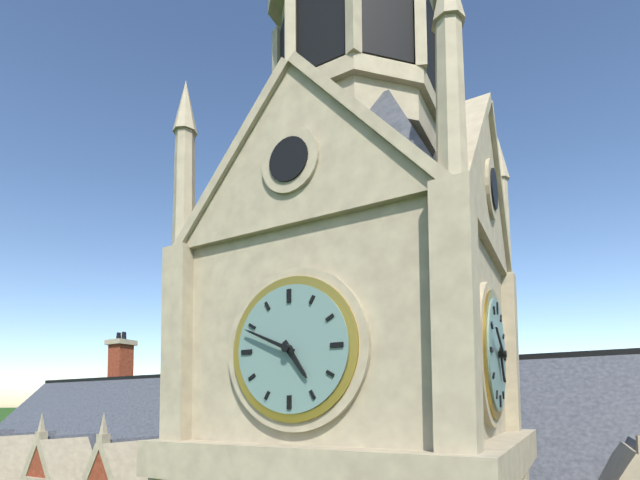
4:49
